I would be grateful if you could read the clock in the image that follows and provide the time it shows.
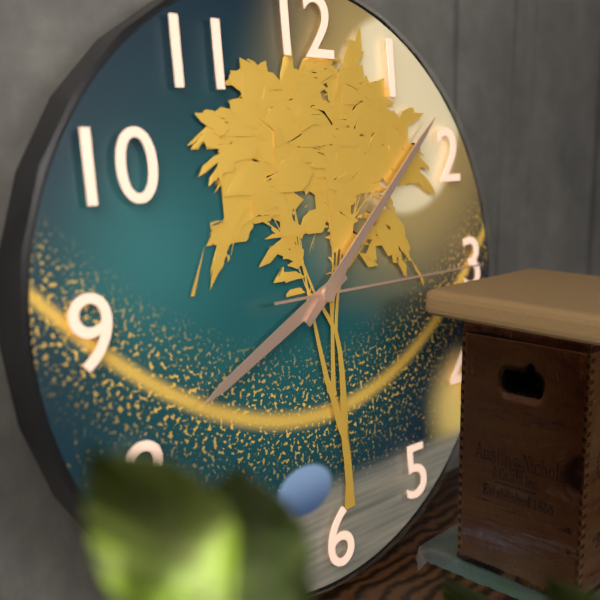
8:08:15
